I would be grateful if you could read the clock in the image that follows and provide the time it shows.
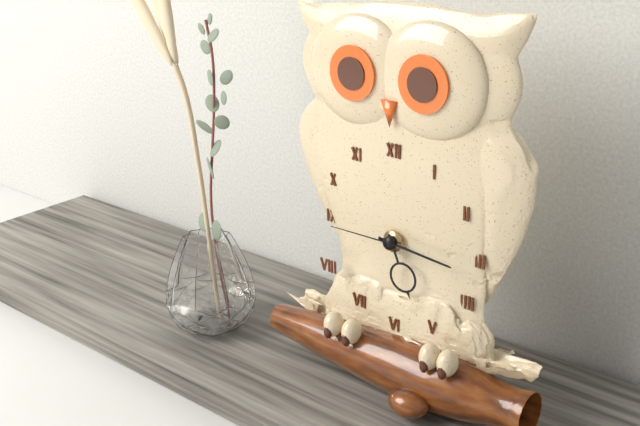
5:16:45
